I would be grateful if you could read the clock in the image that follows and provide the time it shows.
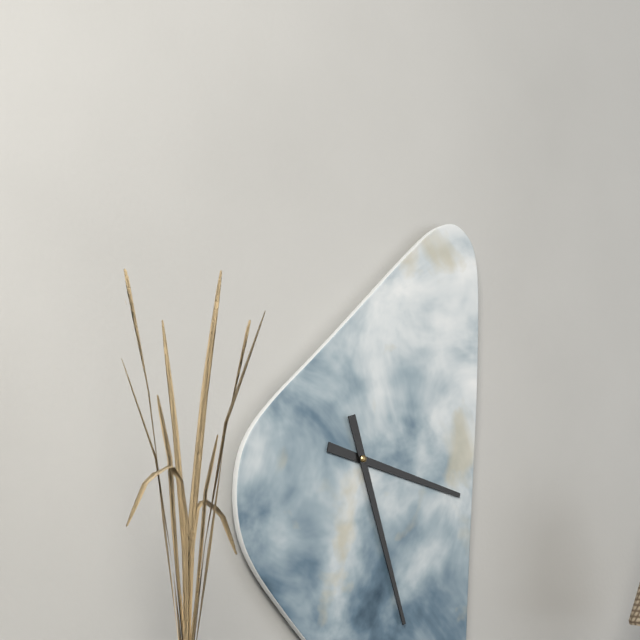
3:27
